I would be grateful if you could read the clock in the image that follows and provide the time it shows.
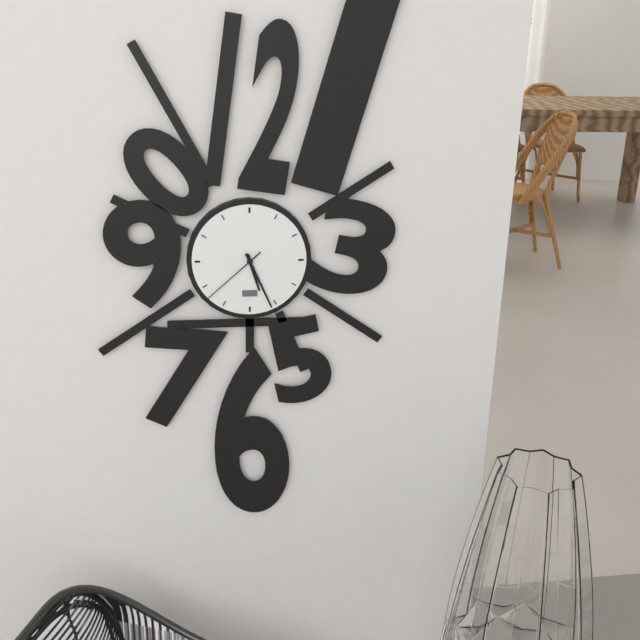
5:26:38
